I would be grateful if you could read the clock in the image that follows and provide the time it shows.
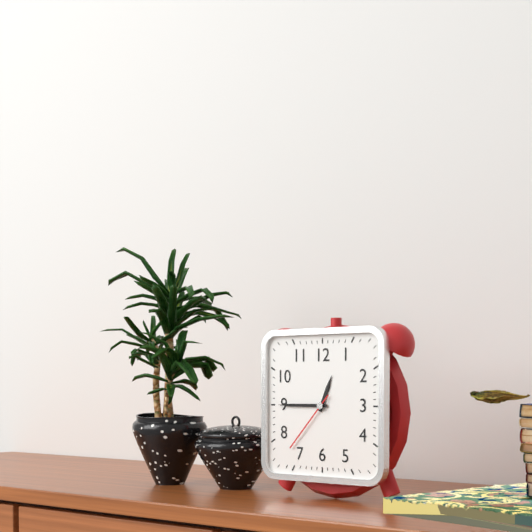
12:45:37
